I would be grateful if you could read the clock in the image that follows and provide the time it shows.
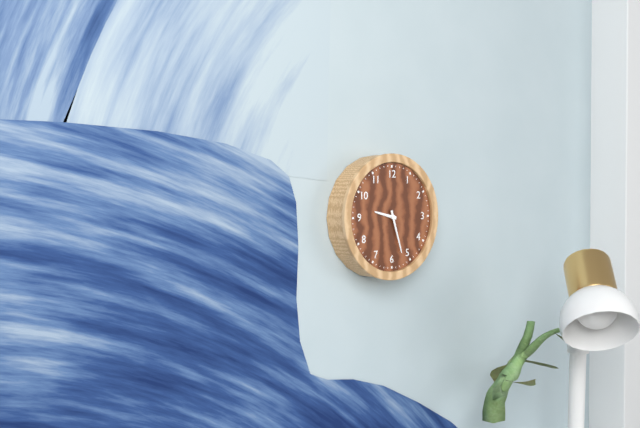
9:27
